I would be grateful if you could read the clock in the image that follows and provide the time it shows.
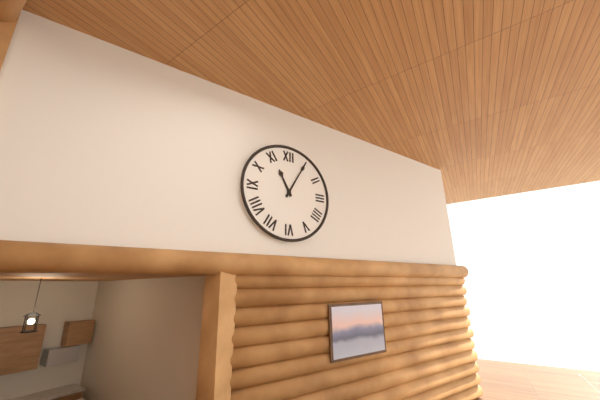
11:05
